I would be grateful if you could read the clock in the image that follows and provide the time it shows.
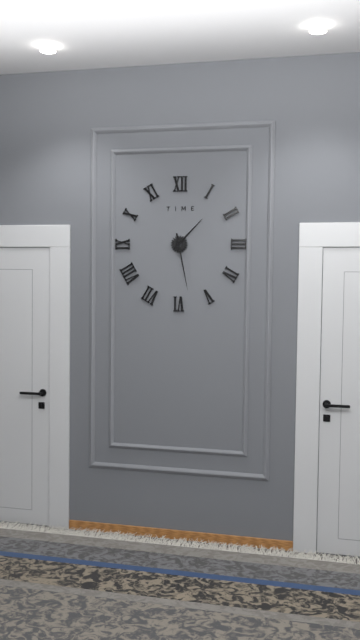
1:28
